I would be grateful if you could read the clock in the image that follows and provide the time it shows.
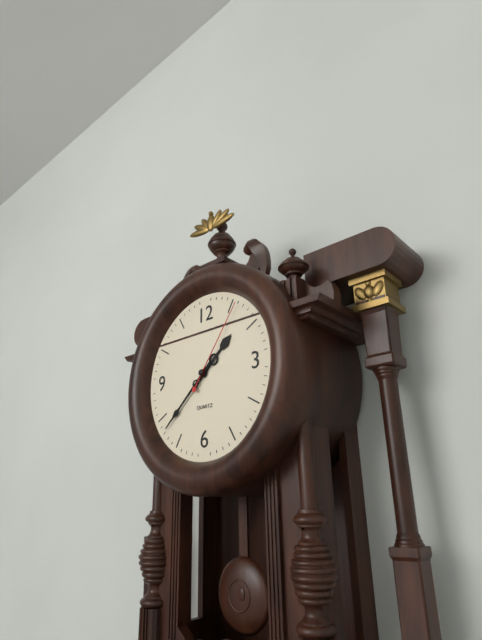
1:38:06
